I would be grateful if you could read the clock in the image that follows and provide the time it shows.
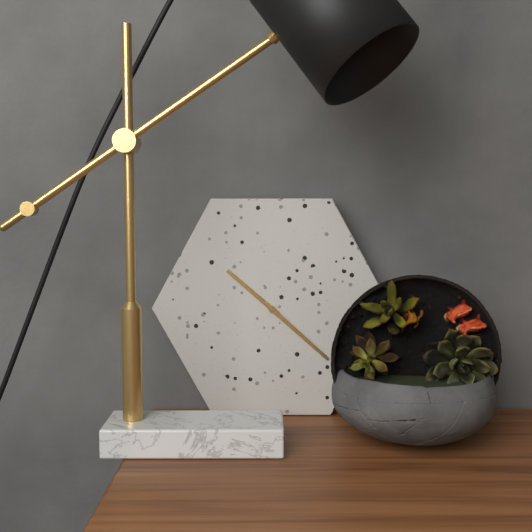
10:22
